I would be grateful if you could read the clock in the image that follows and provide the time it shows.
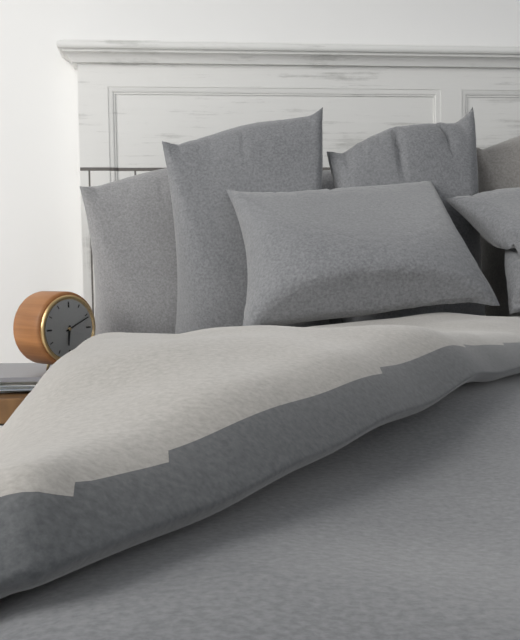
6:11
